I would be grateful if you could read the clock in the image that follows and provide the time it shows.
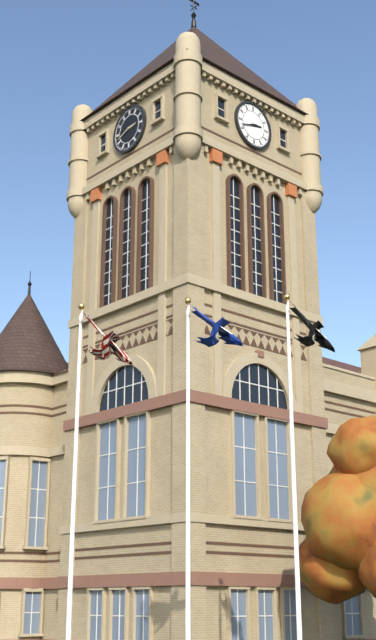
2:42
